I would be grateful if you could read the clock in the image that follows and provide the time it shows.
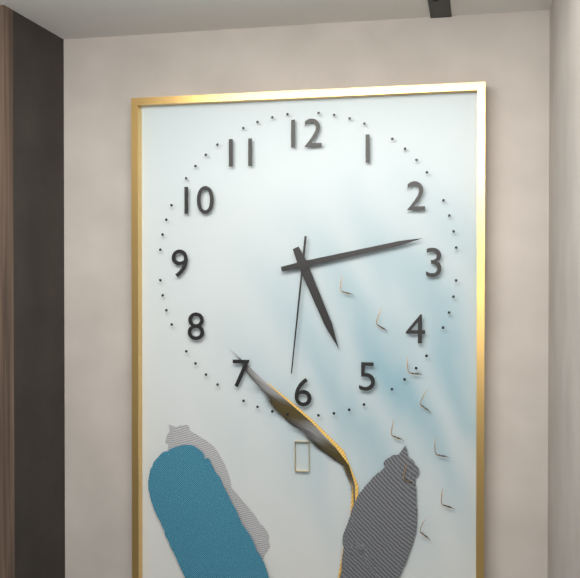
5:13:31
